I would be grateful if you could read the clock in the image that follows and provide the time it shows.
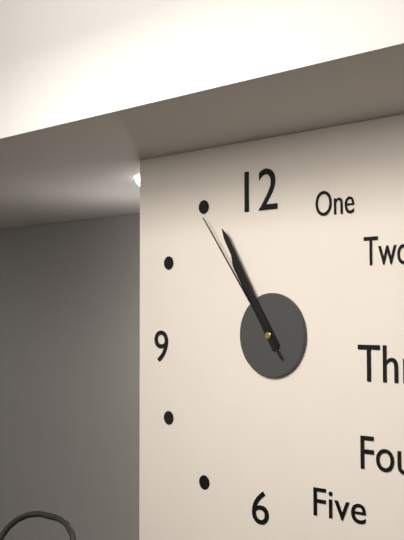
10:55:54
